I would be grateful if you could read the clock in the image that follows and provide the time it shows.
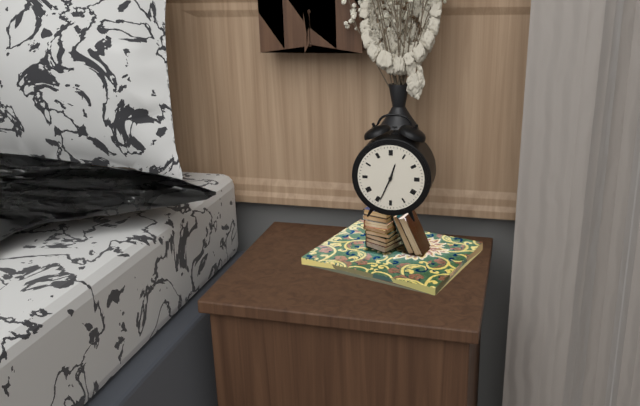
12:34
